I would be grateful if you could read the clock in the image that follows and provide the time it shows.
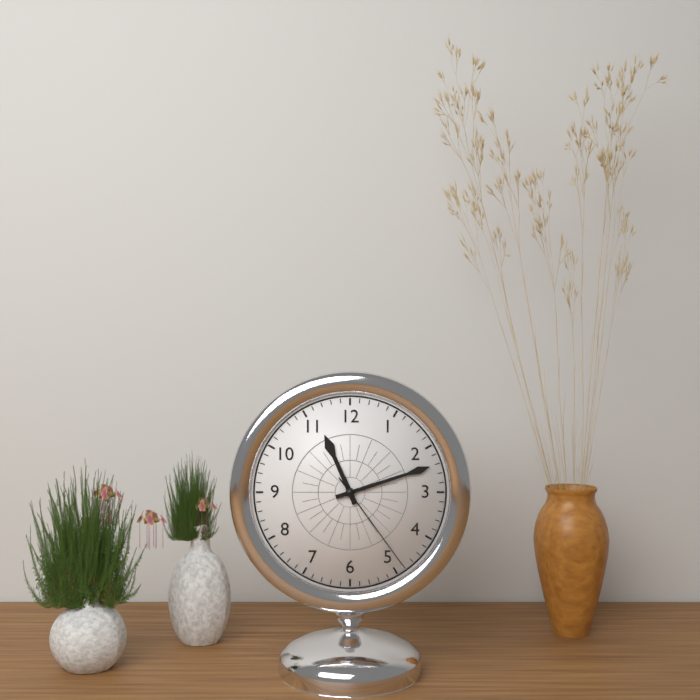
11:12:24
